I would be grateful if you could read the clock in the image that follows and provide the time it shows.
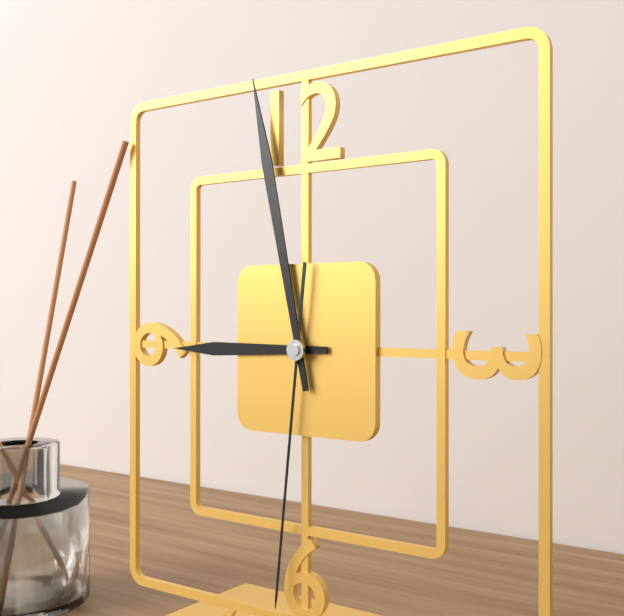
8:58:31
